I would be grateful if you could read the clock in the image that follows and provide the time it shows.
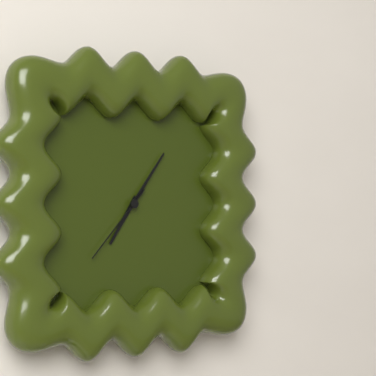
7:06:37
